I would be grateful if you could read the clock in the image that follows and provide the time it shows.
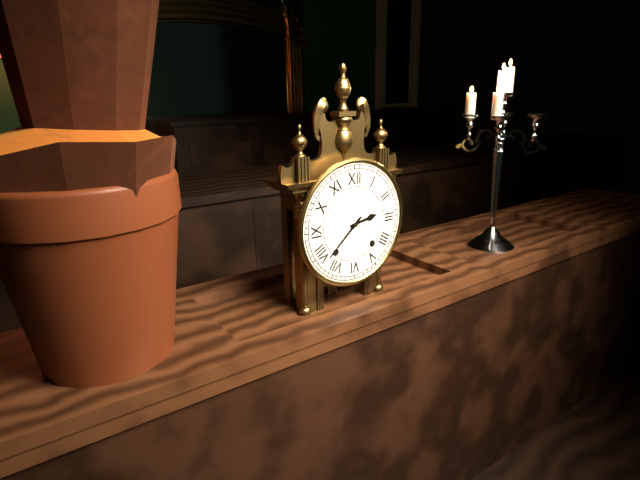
2:38
